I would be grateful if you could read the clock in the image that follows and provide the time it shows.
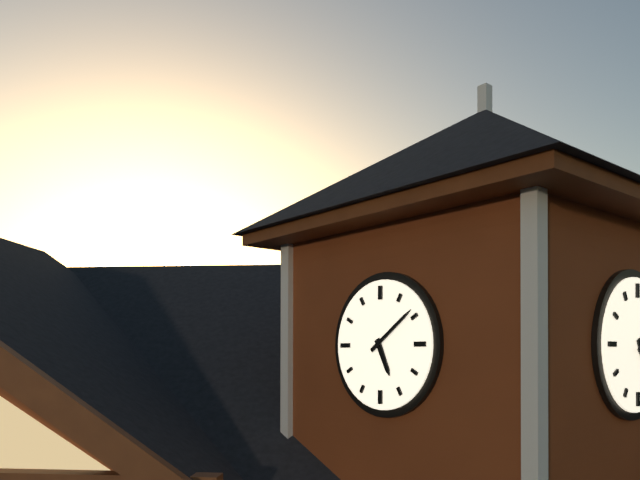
5:09
